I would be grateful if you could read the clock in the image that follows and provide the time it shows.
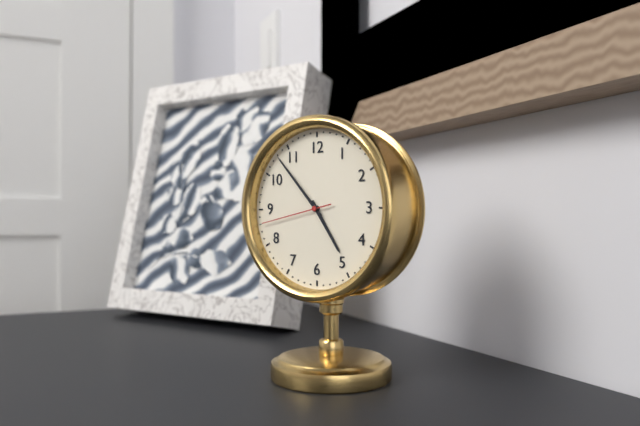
4:53:43
